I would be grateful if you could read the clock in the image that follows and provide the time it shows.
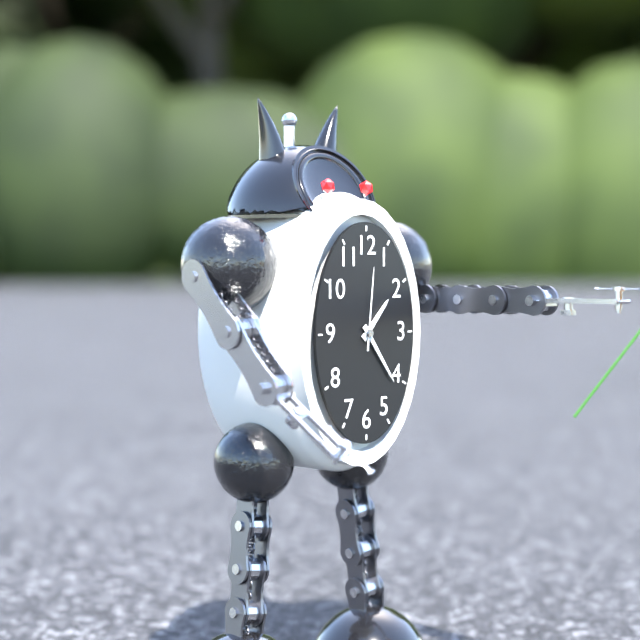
1:24:01
